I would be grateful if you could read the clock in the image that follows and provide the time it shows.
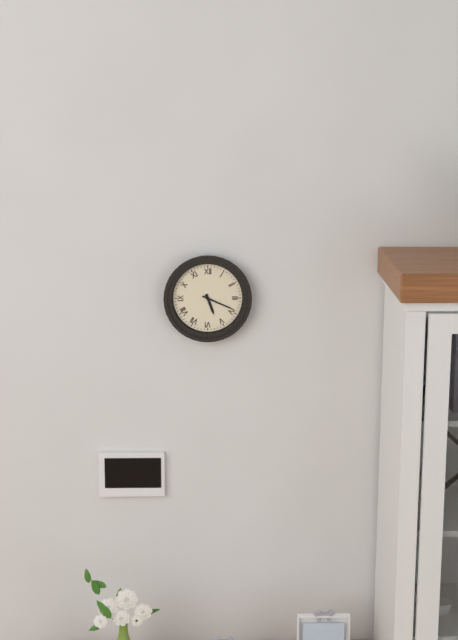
5:19
